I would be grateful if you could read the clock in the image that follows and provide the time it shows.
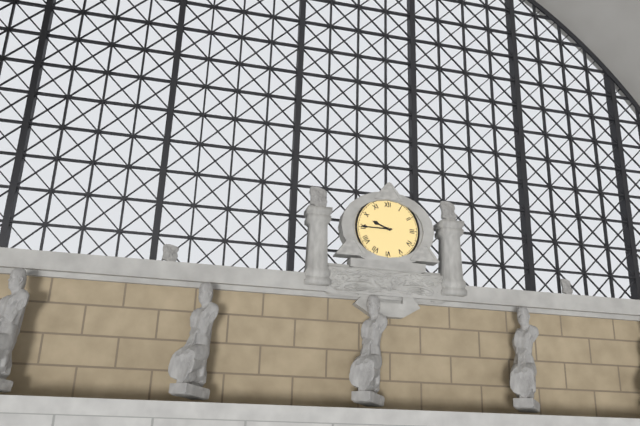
9:45
